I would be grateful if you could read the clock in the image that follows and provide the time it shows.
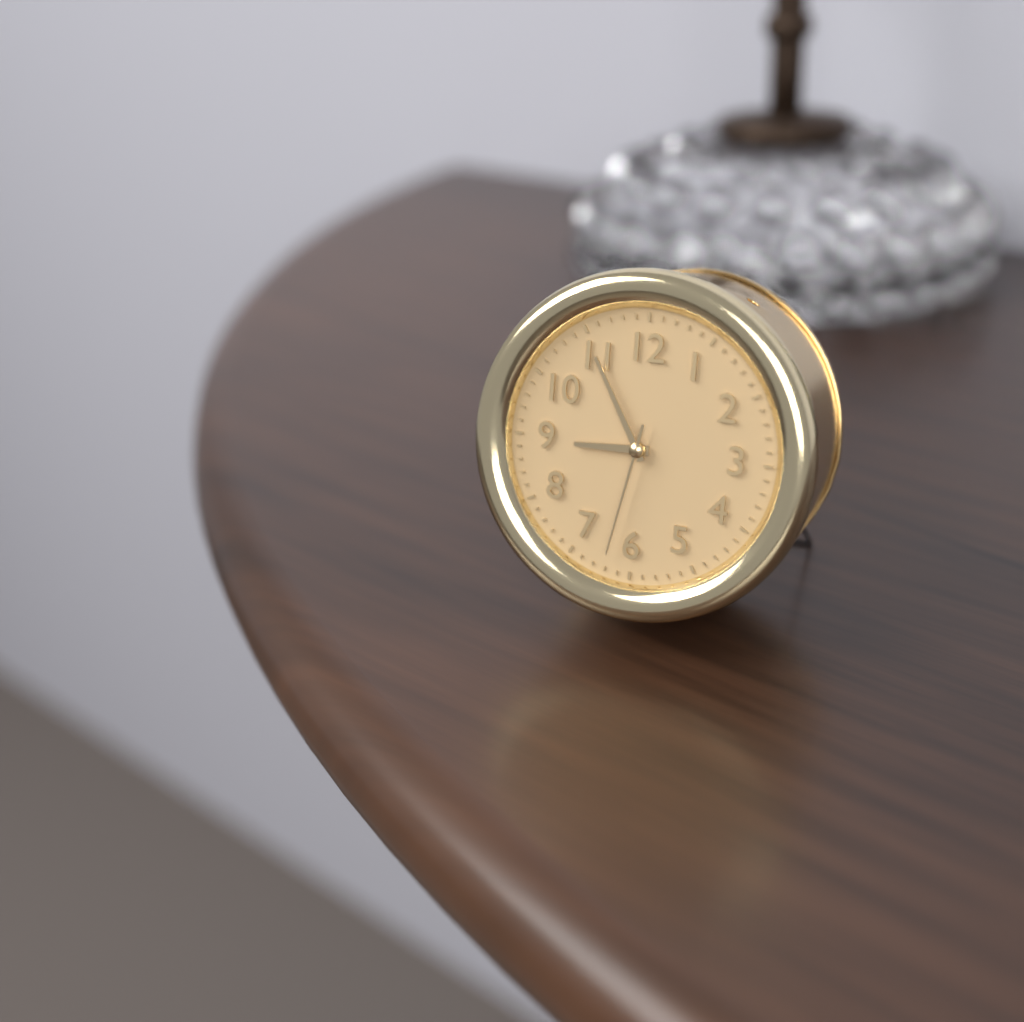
8:55:32
